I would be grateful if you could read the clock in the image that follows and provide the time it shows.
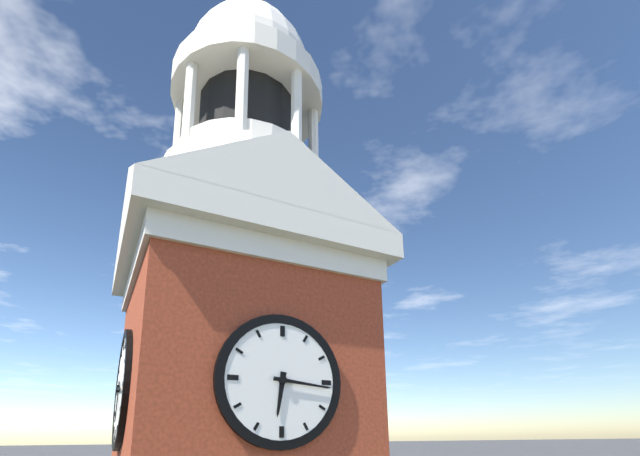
6:16
